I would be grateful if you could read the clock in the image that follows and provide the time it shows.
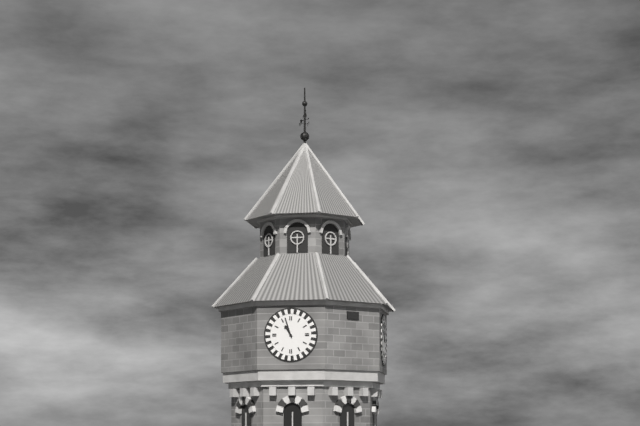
10:57
